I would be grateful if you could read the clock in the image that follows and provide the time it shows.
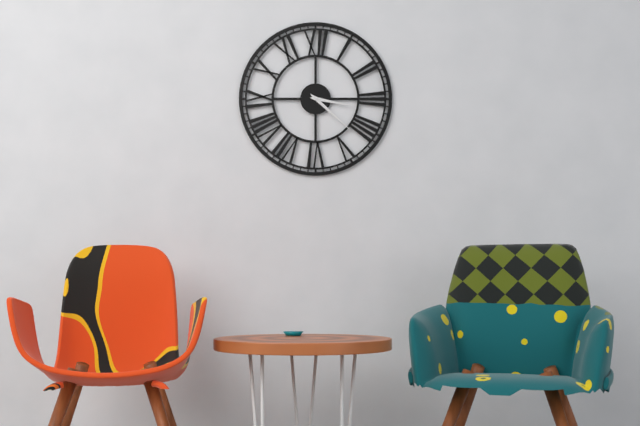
3:22
